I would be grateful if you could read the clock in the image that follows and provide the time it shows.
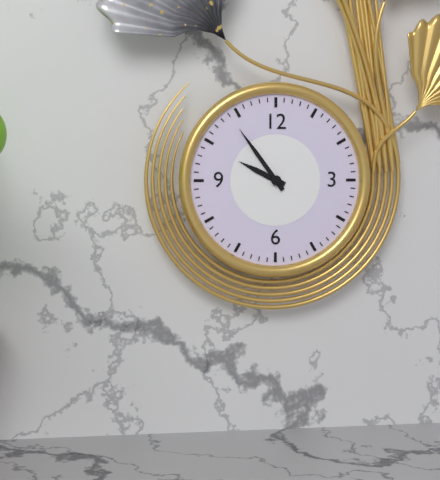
9:54
